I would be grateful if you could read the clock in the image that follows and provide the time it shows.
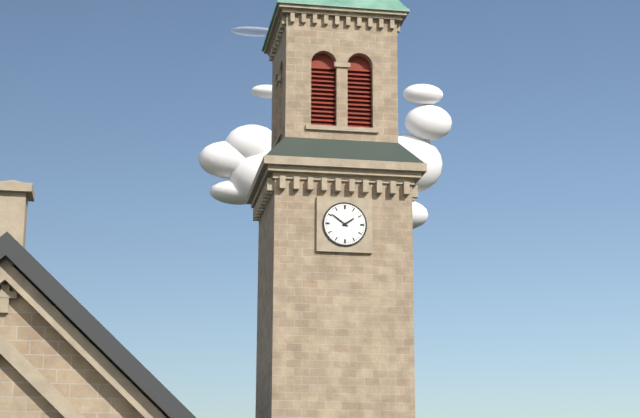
1:51
